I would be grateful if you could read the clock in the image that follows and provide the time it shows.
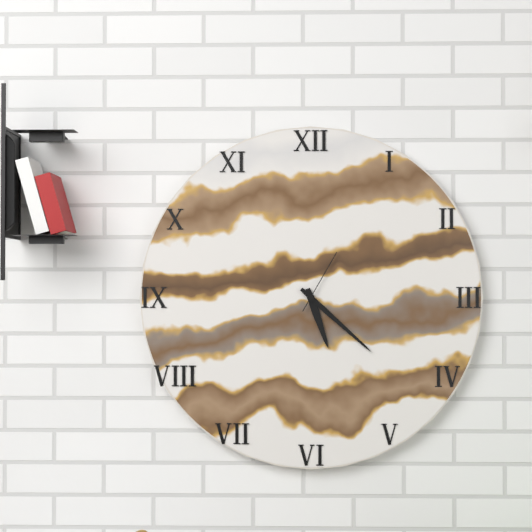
5:22:05
